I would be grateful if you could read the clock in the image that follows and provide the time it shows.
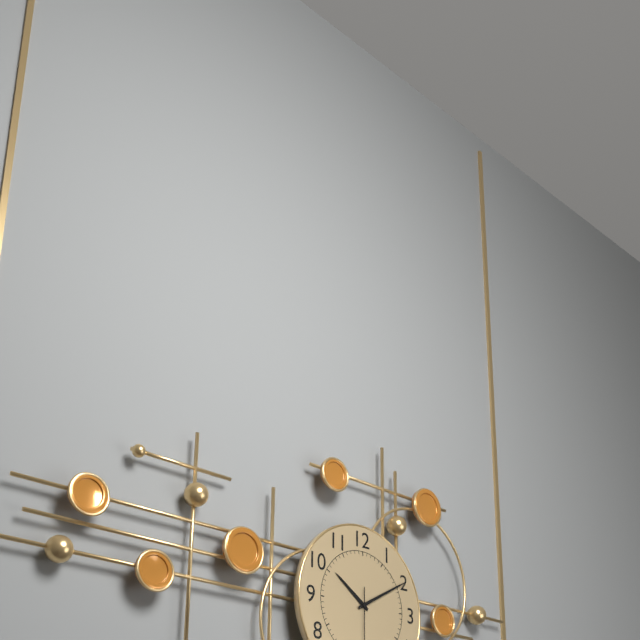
10:10
